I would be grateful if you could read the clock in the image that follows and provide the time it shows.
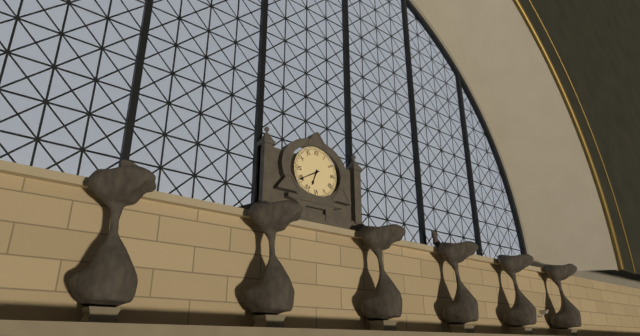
6:40
